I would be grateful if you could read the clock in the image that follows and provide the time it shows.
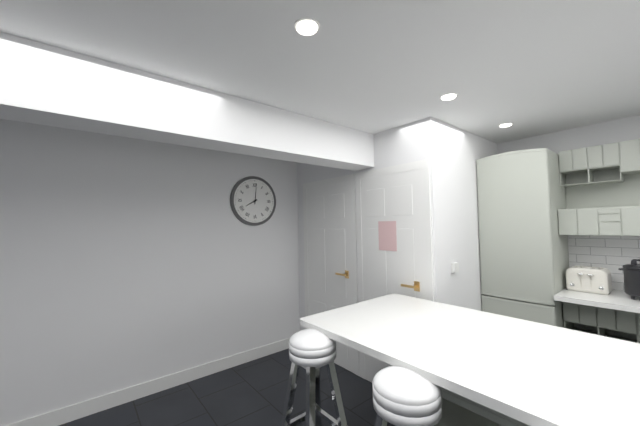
8:01
